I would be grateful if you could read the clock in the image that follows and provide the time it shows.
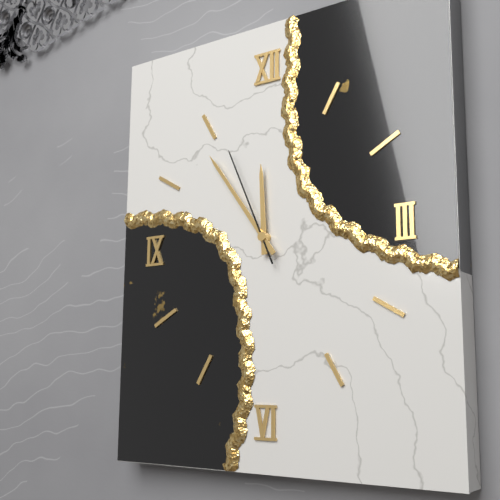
11:54:56
